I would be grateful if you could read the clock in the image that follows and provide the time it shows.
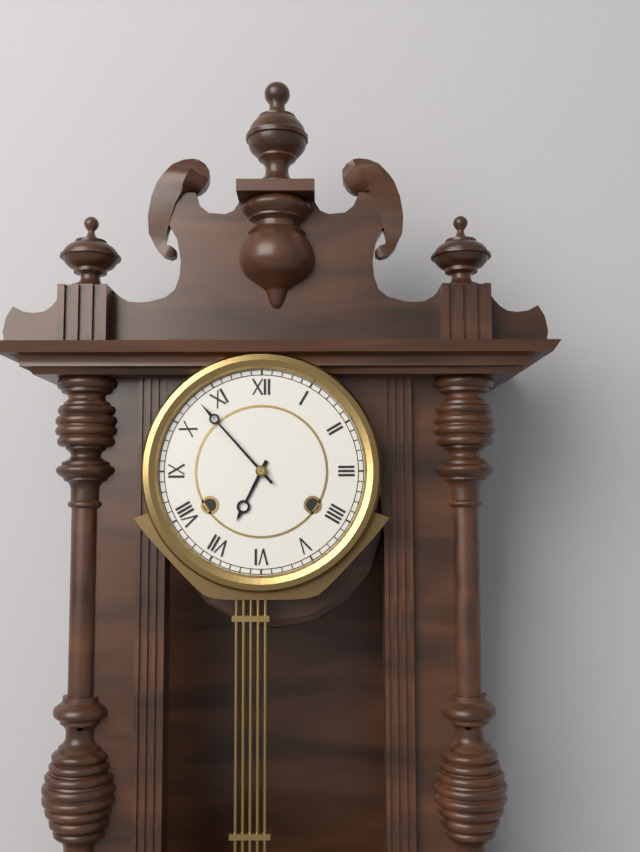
6:53
